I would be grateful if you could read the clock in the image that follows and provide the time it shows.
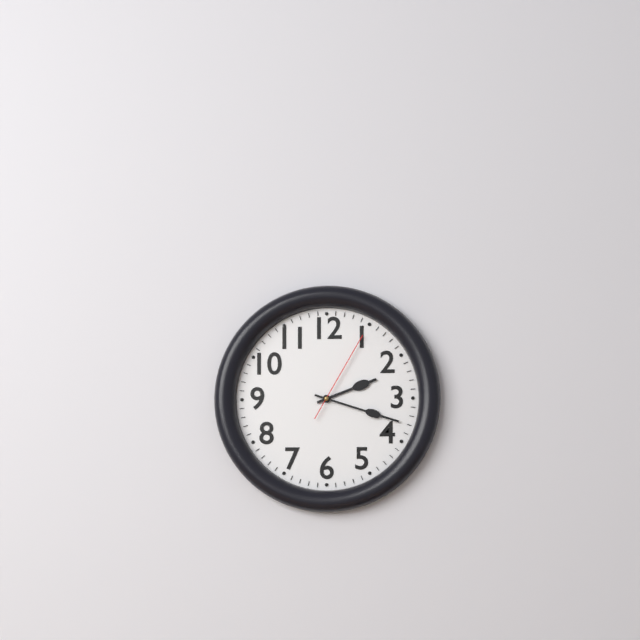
2:18:05
